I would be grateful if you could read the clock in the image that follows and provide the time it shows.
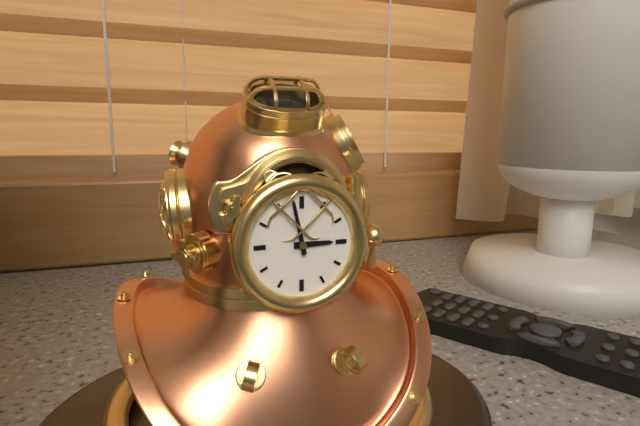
2:58
